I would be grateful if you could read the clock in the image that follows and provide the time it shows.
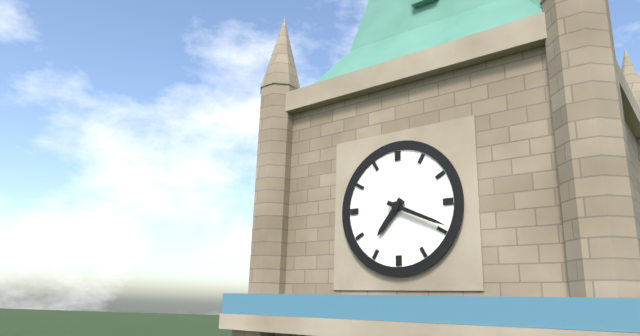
7:19
